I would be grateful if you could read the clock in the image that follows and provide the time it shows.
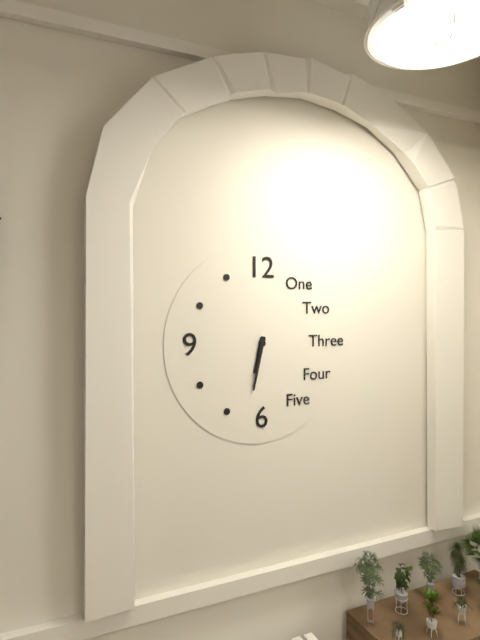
6:32
